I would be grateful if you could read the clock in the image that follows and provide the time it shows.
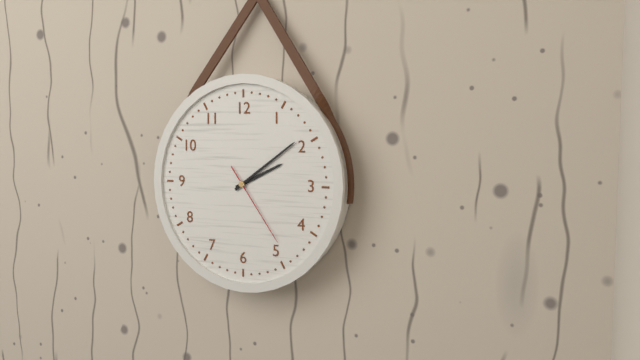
2:09:24
